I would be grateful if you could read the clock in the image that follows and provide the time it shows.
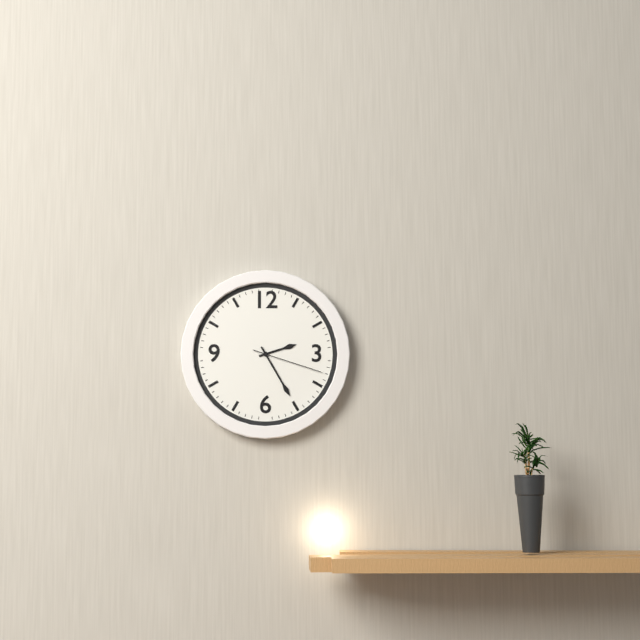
2:25:18
